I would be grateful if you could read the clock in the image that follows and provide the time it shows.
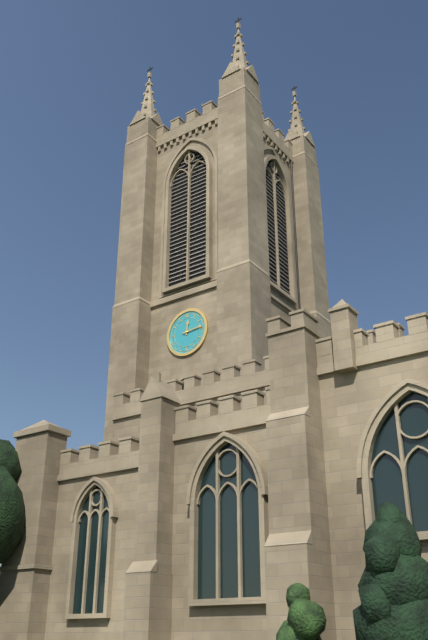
12:14
